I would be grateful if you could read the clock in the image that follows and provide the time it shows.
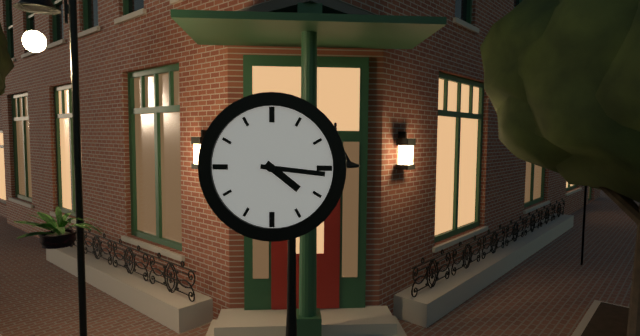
4:16
